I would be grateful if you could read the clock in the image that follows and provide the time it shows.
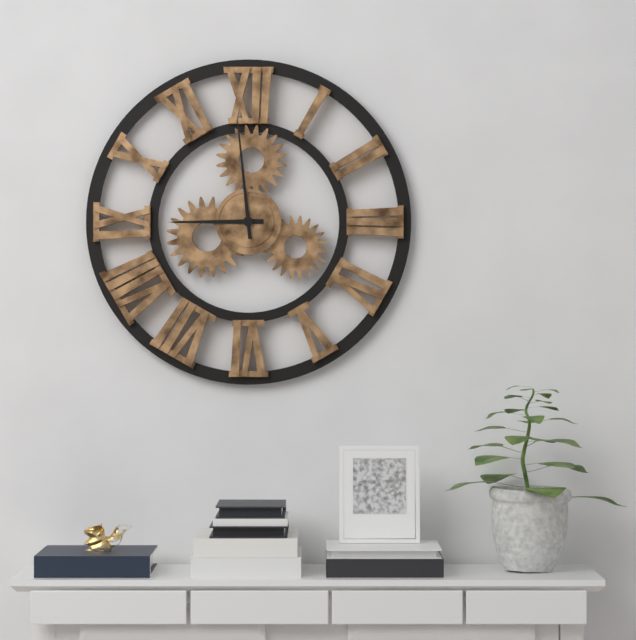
8:59
